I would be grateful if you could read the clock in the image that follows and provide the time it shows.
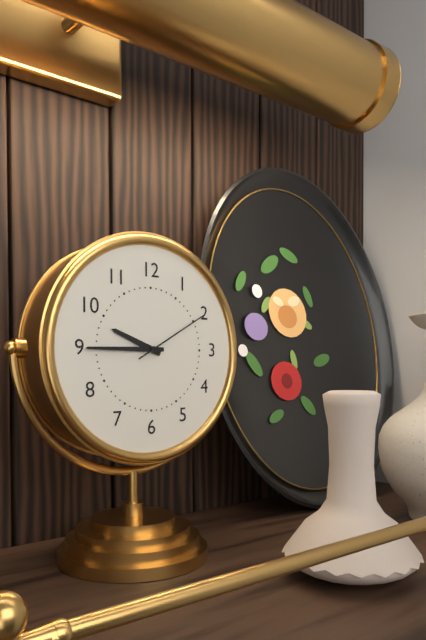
9:45:10
